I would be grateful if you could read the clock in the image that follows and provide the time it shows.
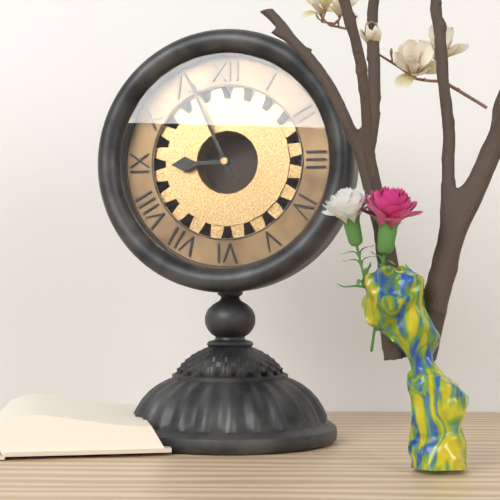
8:56
